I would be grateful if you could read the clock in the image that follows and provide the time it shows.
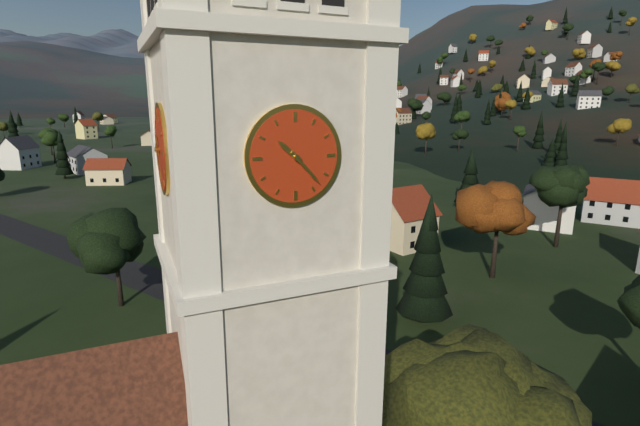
10:23
